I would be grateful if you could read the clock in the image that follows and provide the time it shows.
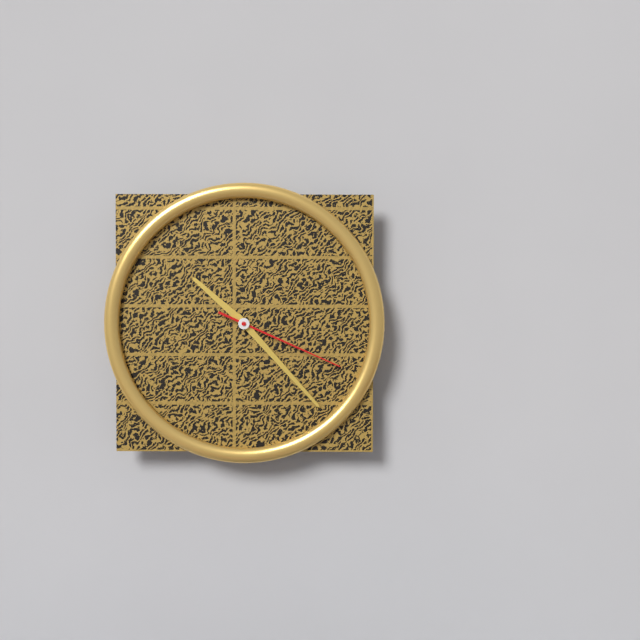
10:23:19
